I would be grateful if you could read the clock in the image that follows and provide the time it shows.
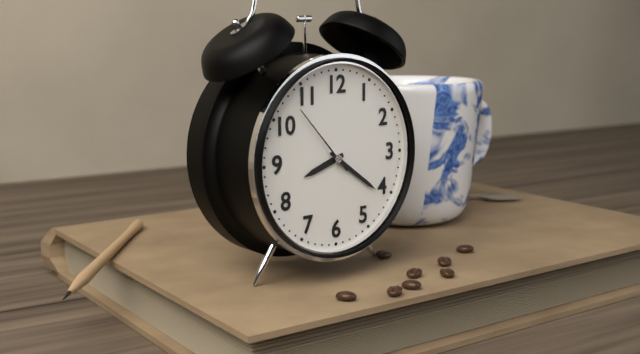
8:21:53
